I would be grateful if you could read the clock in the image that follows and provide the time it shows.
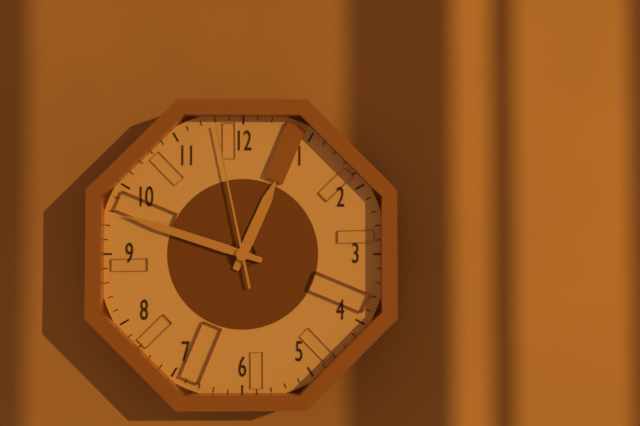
12:48:58
